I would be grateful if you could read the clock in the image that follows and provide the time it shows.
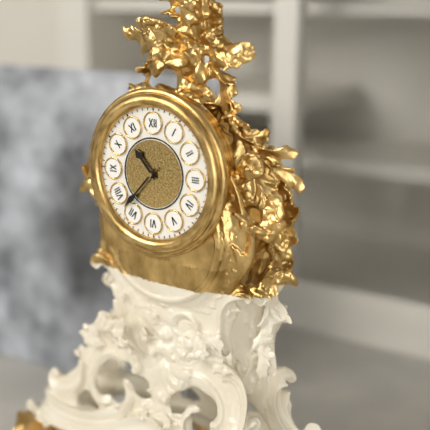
10:37
